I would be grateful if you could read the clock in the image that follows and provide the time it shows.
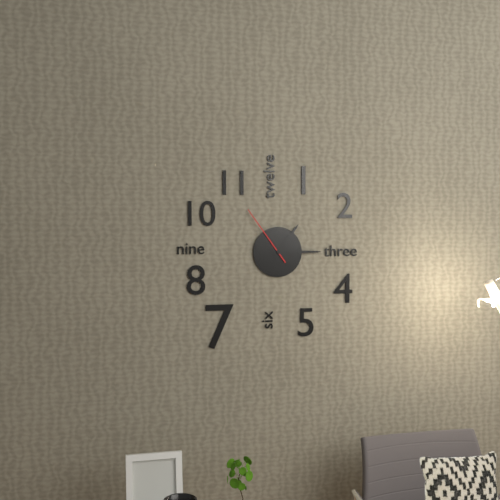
1:15:54
